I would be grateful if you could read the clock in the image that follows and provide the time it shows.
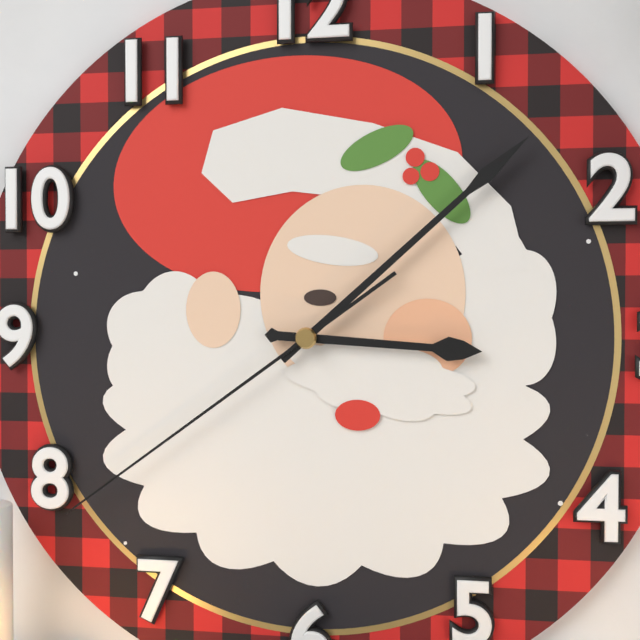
3:08:39
